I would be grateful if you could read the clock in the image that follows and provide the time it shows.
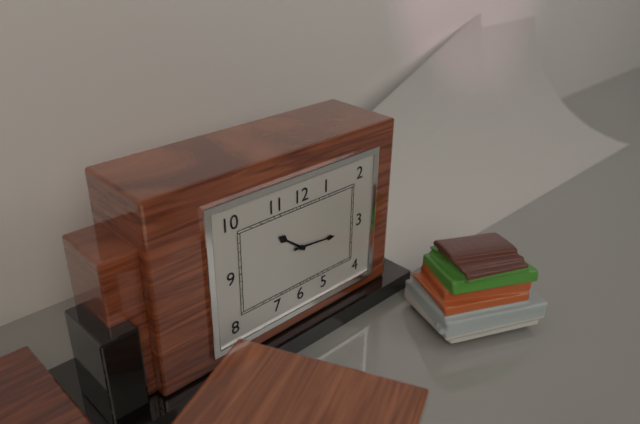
10:16
